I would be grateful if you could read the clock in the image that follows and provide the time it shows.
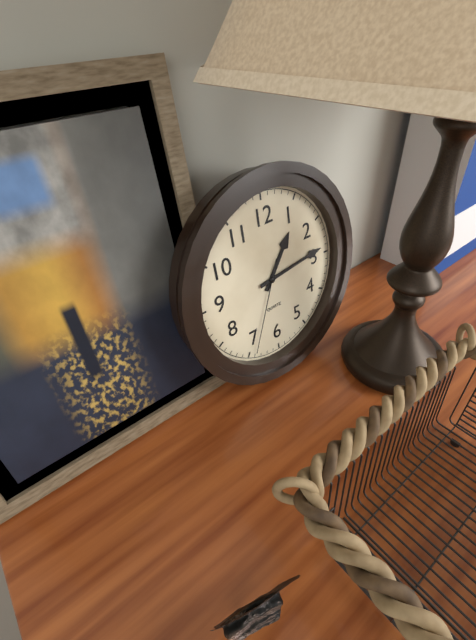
1:14:34
